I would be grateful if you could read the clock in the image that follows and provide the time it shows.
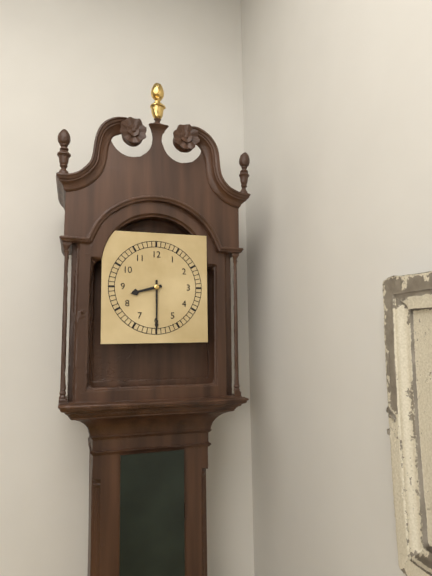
8:30
